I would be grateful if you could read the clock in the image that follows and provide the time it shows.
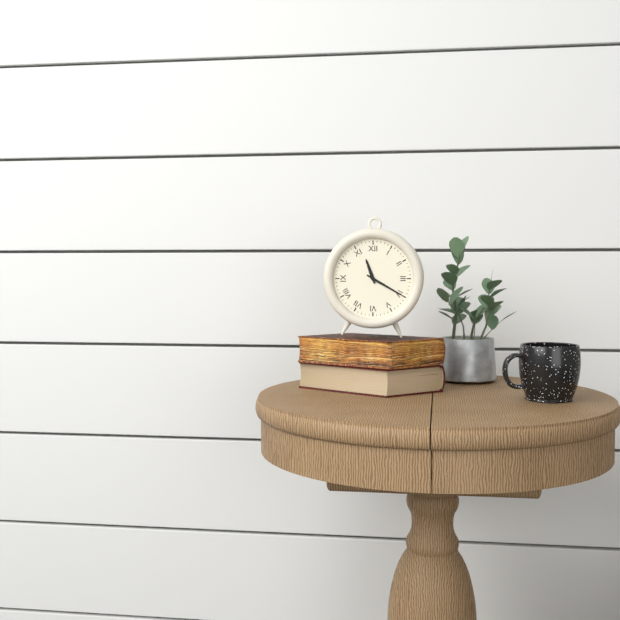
11:20
